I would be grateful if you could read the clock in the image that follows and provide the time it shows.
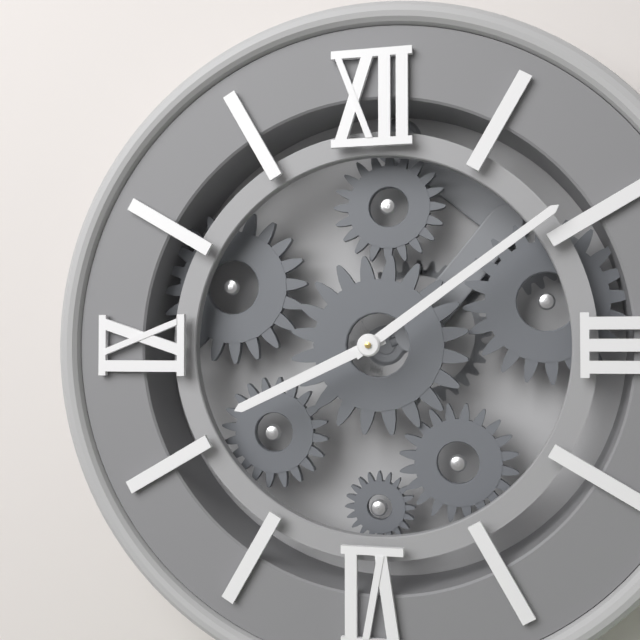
8:09
